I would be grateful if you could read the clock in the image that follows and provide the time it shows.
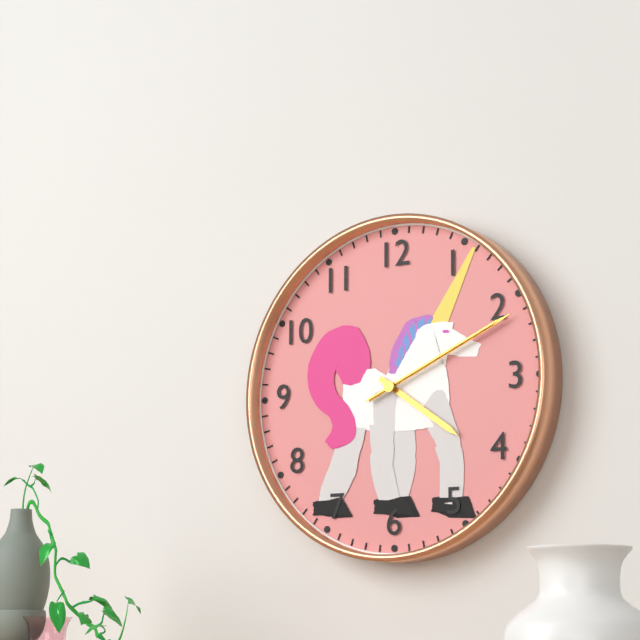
4:11:11
